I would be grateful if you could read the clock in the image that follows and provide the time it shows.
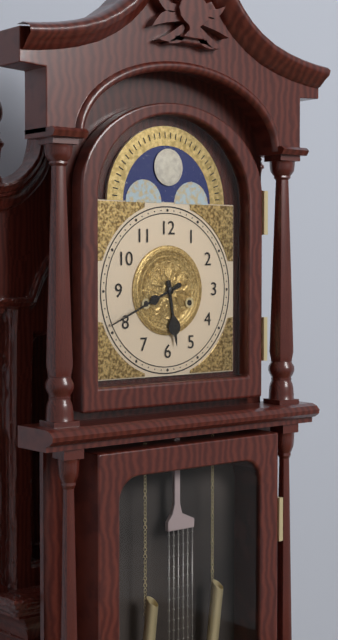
5:41
